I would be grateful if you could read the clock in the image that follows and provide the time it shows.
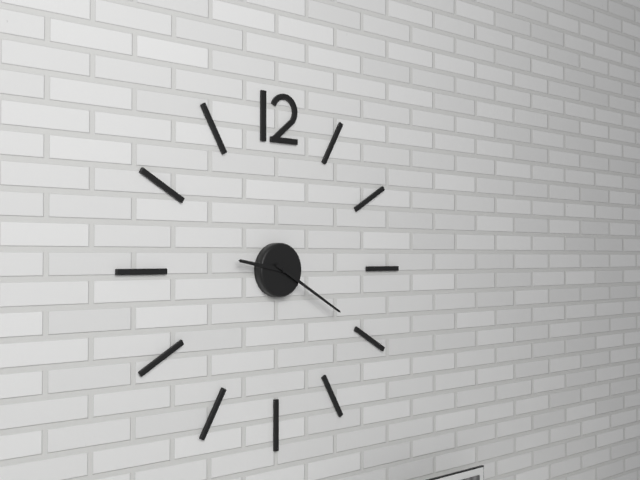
9:20
